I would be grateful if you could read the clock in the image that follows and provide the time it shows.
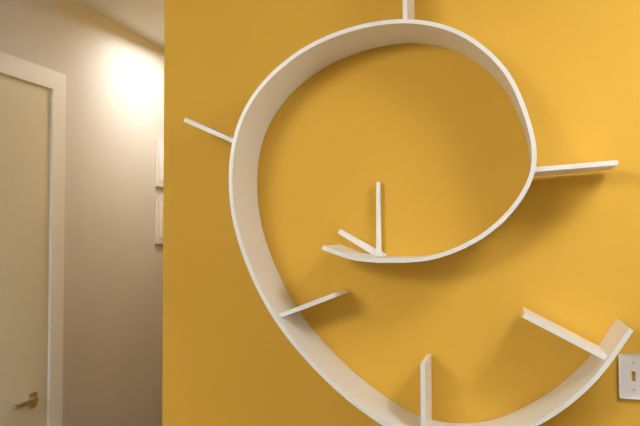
10:00
